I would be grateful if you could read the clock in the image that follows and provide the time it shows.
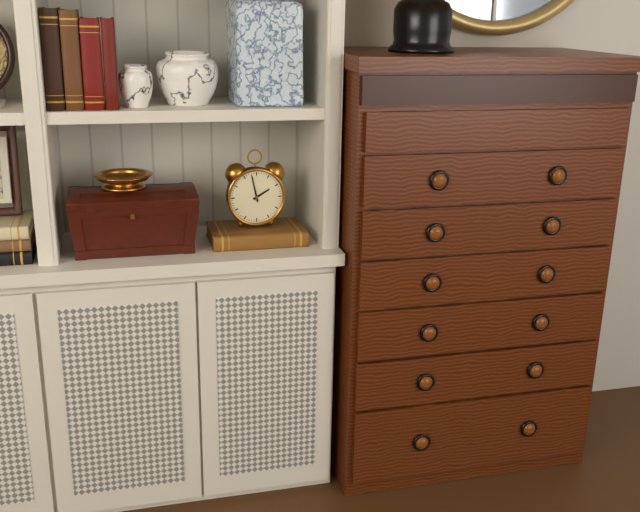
1:58
